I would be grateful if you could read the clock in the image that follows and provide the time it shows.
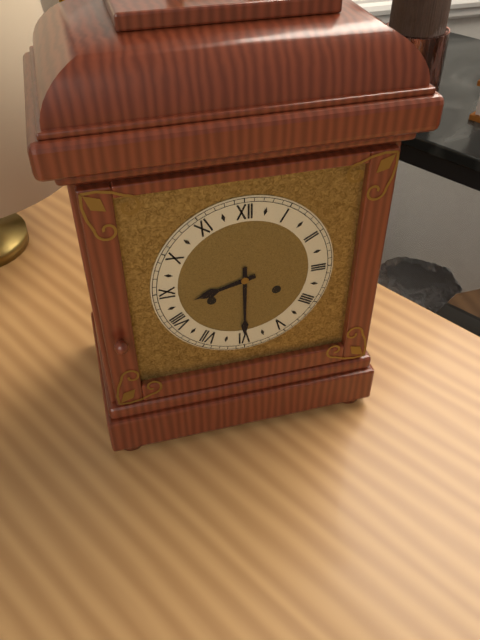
8:30
